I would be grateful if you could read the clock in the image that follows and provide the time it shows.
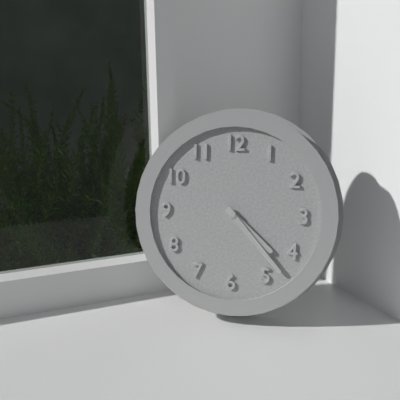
4:23
